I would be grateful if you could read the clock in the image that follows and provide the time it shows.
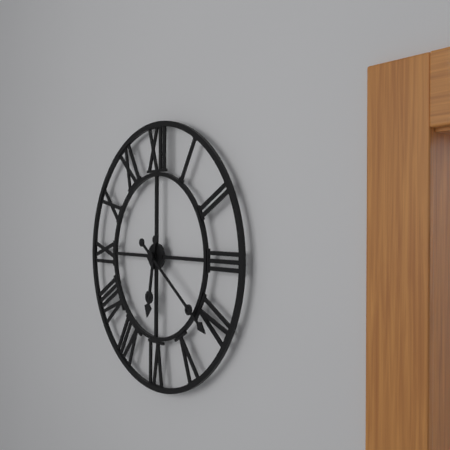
6:21
